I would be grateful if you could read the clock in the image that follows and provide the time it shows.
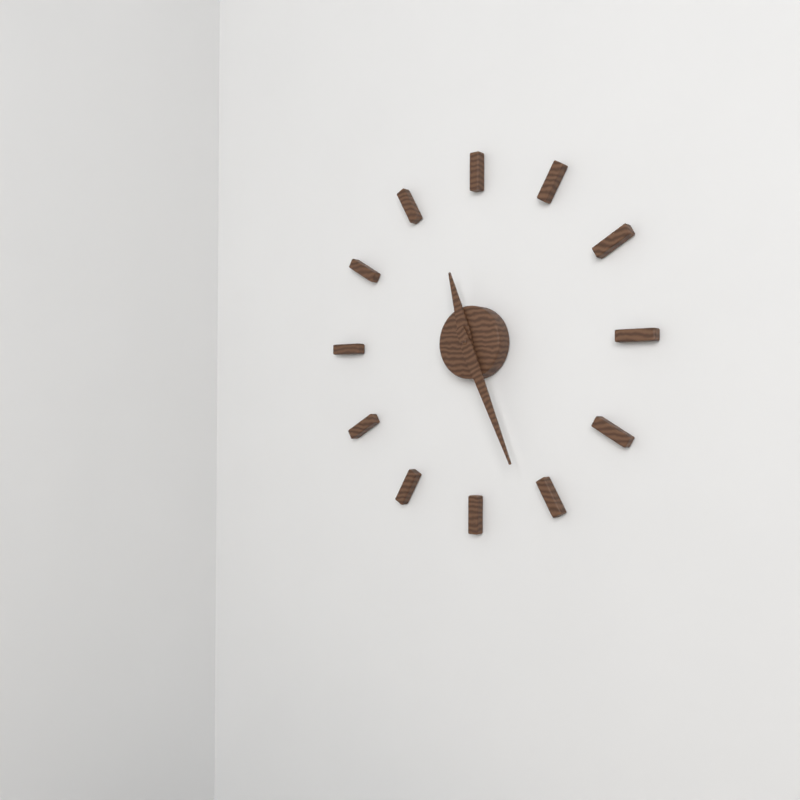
11:26
